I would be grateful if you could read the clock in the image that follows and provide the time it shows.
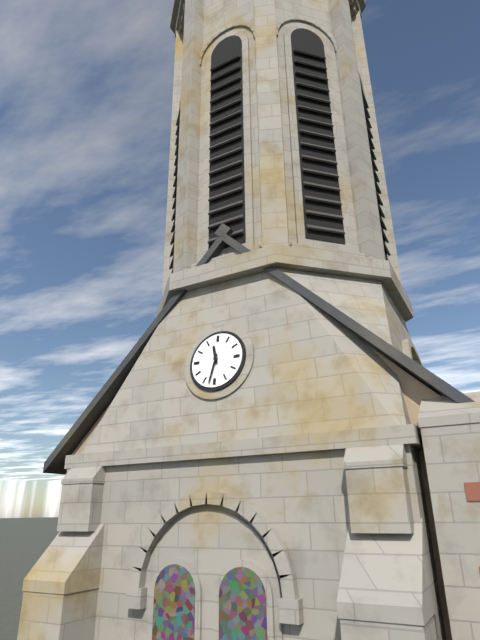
11:32
